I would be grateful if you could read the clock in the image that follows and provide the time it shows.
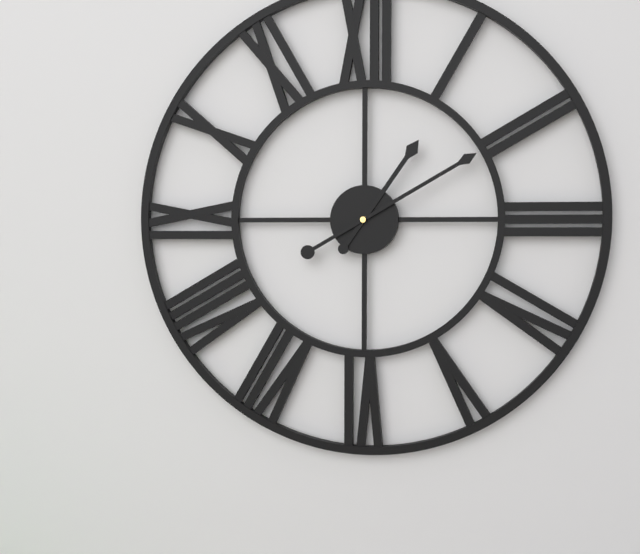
1:10
